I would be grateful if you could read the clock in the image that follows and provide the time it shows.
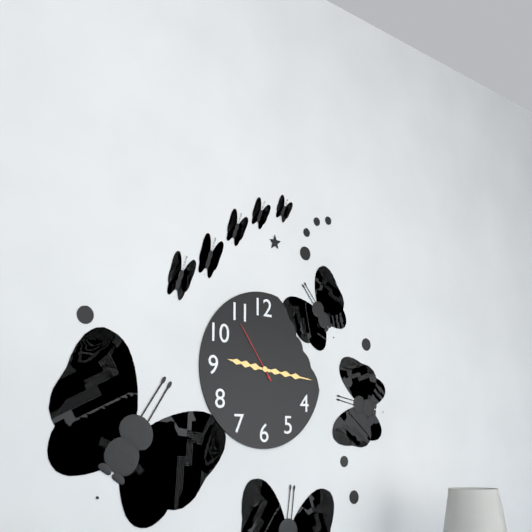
9:16:54
